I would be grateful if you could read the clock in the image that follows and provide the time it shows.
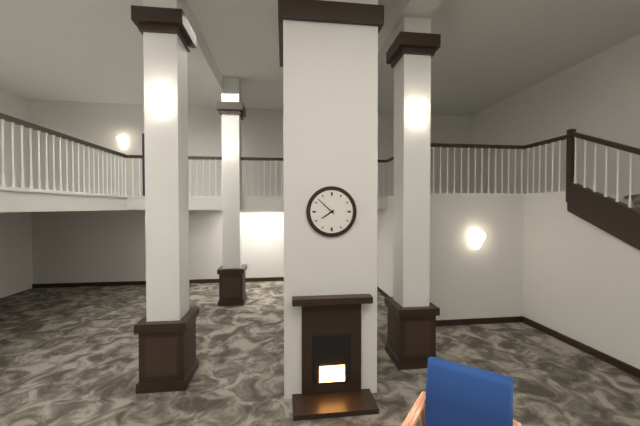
7:52
